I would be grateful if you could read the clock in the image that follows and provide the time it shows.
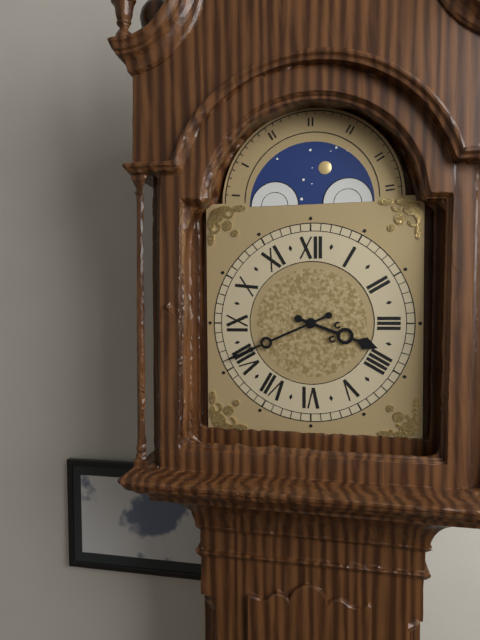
3:41
